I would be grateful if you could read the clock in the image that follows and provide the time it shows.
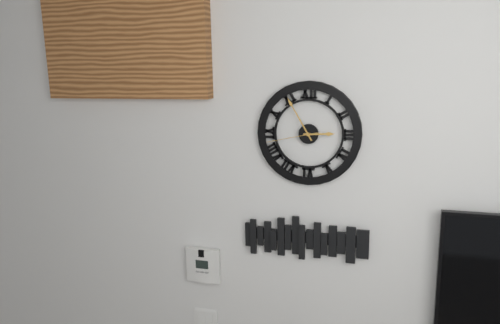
2:55:43
